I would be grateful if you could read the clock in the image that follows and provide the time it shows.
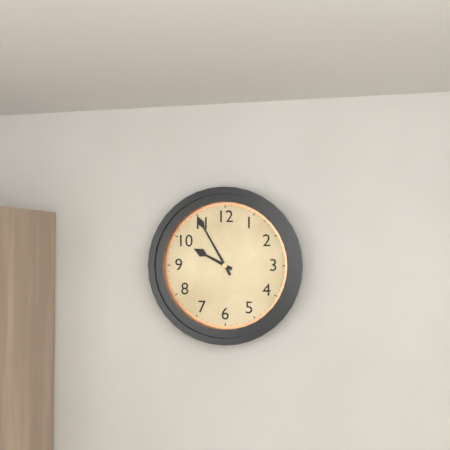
9:55
